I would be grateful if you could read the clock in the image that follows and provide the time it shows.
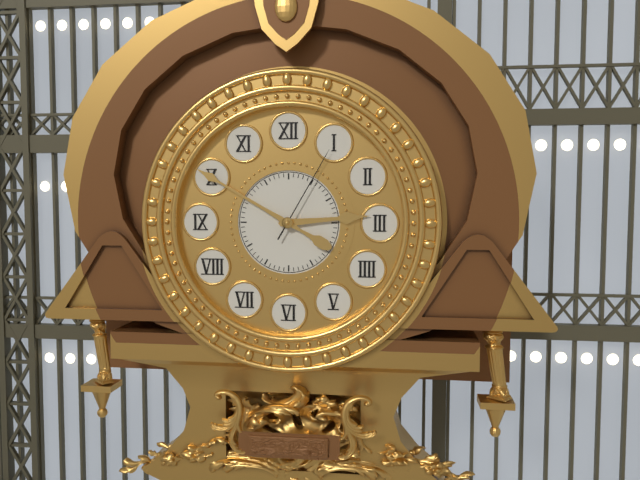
2:50:05
